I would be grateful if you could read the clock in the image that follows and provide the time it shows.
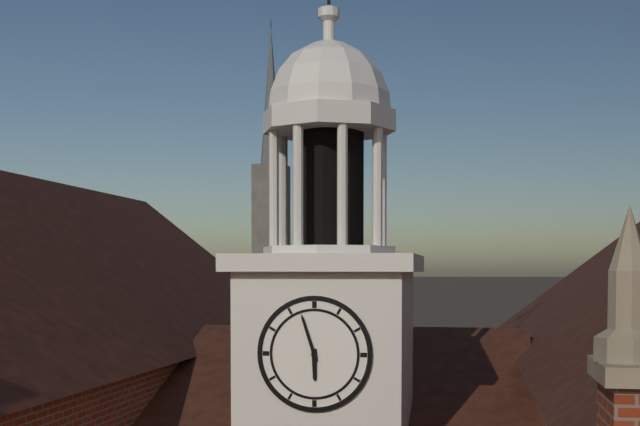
5:57
